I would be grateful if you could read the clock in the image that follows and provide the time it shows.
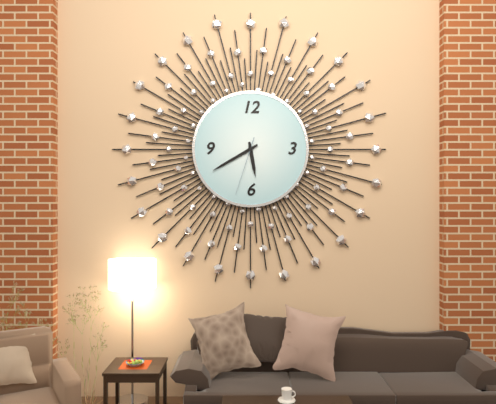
5:40:33
